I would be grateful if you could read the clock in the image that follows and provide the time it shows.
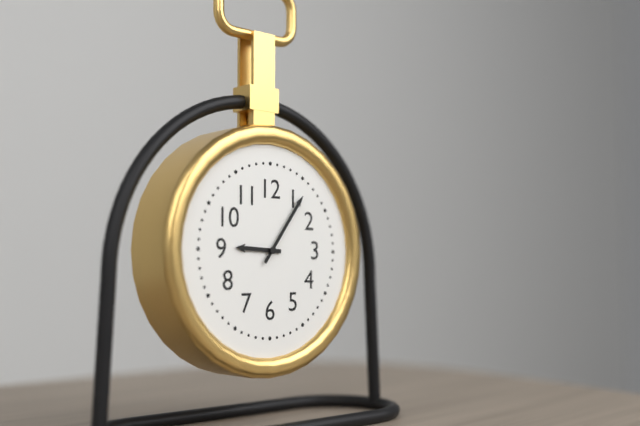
9:06
